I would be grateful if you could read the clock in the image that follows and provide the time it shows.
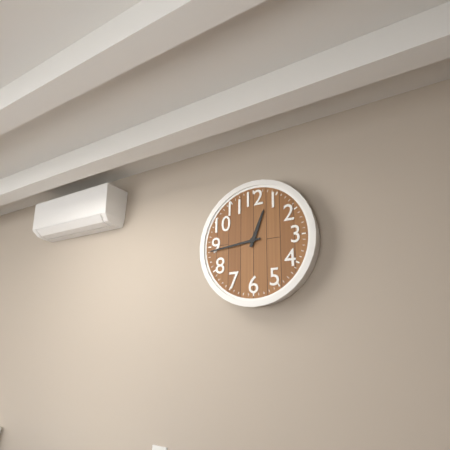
12:44
